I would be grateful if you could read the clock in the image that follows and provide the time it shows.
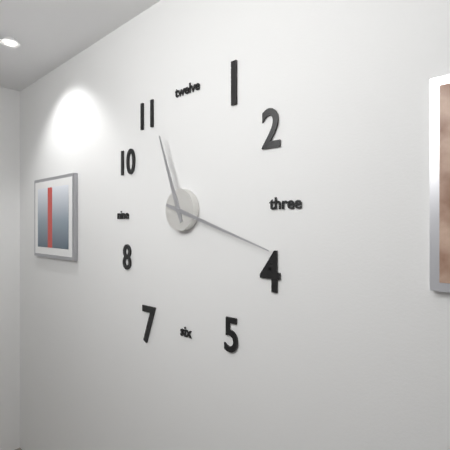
11:18
